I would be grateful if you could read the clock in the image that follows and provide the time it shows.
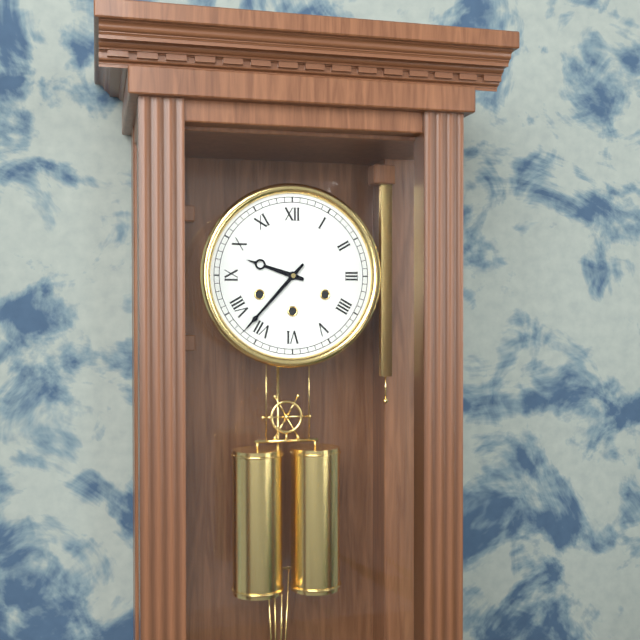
9:37
